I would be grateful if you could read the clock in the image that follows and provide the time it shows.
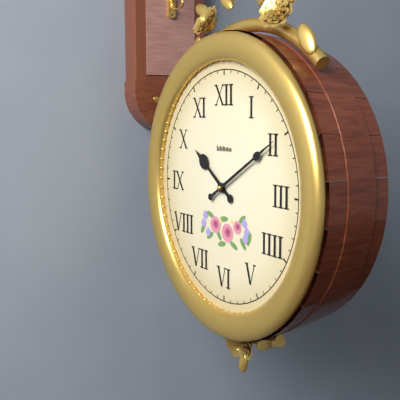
10:10
